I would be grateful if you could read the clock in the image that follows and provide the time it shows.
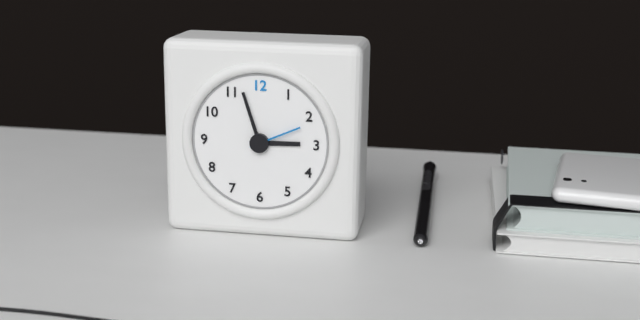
2:57:11
